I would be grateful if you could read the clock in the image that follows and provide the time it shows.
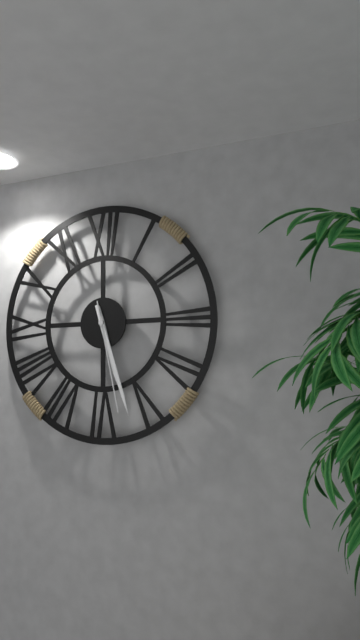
5:27:28
